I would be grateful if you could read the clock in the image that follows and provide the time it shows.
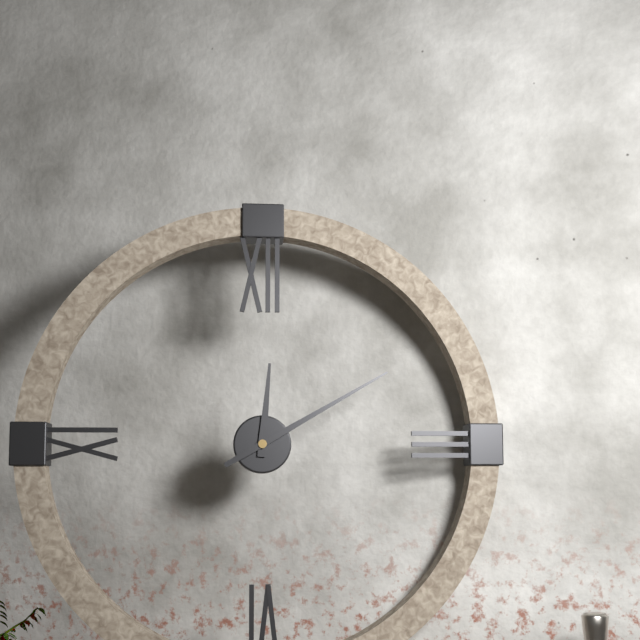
12:10
